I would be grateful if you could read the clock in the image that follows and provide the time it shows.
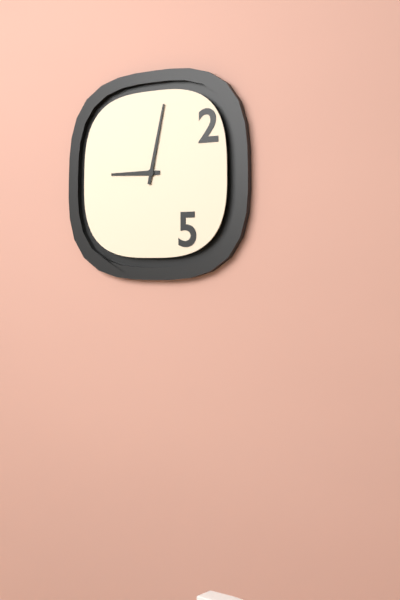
9:02
